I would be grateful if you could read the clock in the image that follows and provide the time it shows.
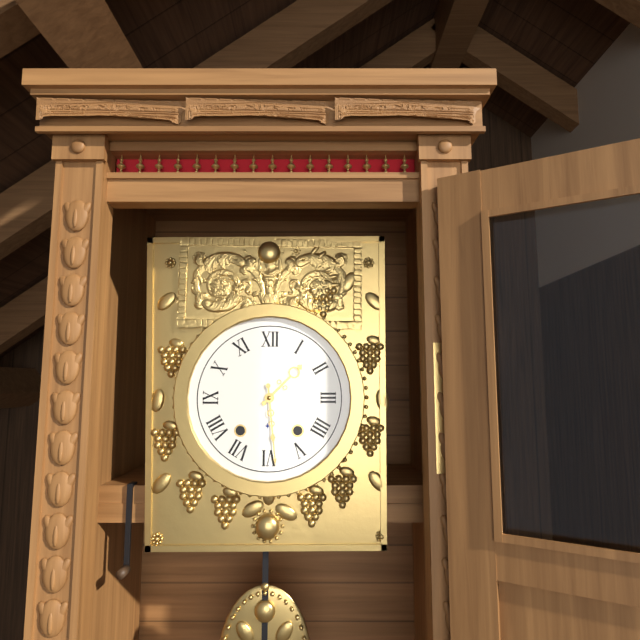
1:29
